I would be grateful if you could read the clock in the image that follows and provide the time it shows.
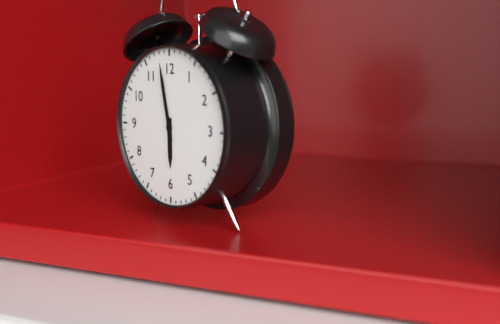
5:58
